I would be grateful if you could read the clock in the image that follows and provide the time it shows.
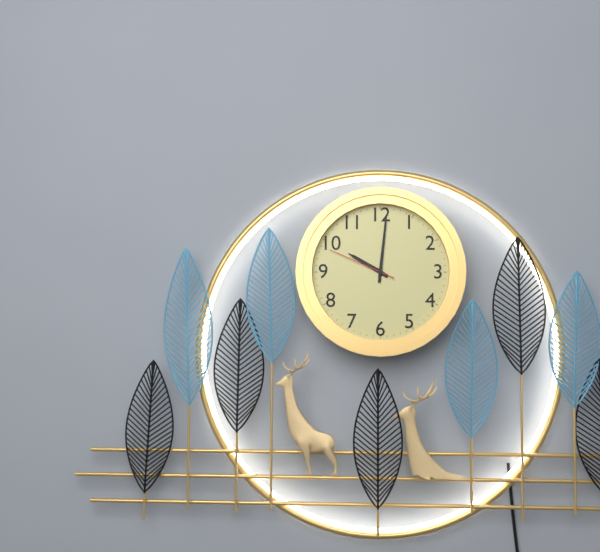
10:01:49
